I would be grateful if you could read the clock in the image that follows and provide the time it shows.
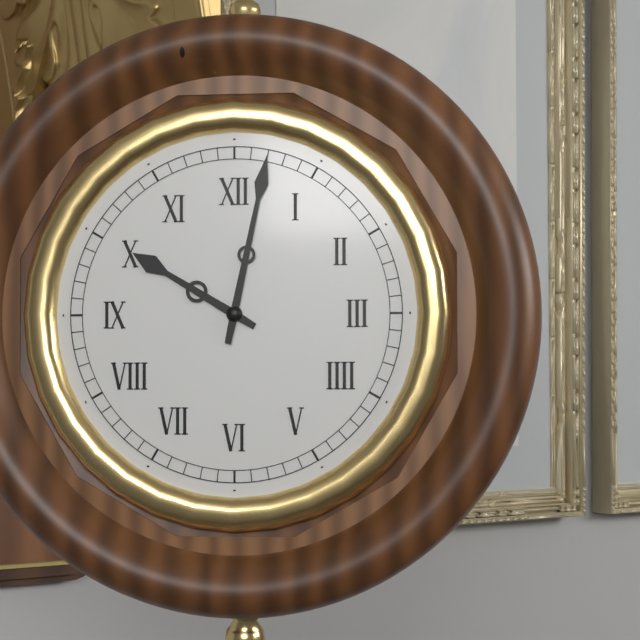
10:02
